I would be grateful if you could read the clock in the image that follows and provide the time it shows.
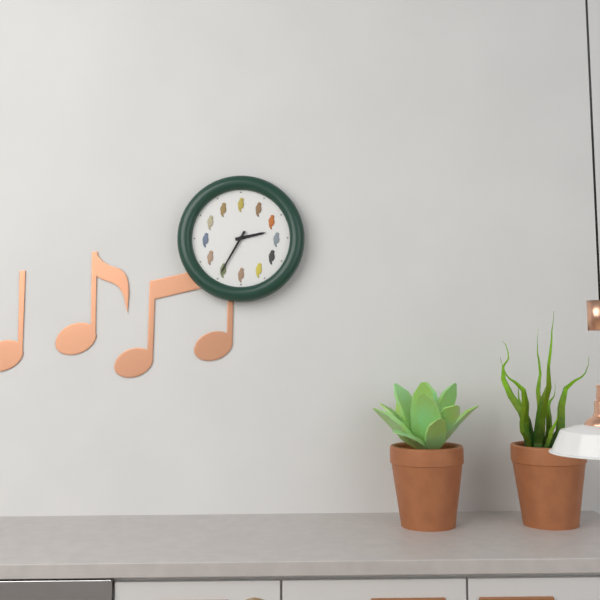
2:35
